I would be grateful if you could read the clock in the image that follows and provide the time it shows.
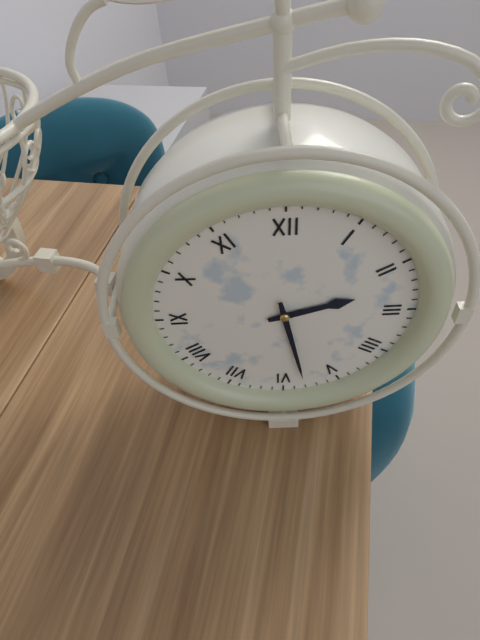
2:28
